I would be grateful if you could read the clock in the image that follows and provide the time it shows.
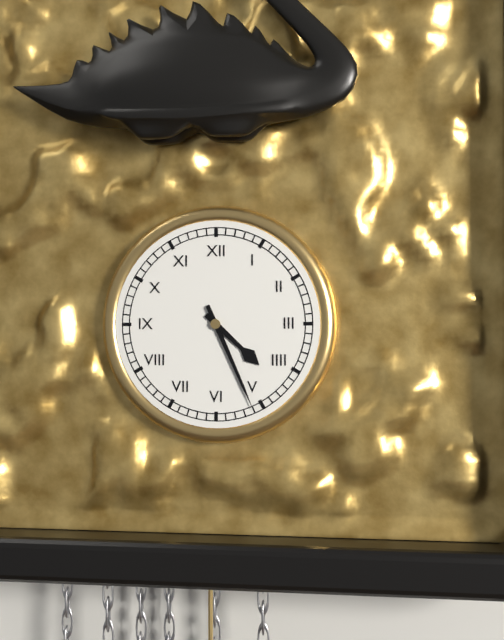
4:26
